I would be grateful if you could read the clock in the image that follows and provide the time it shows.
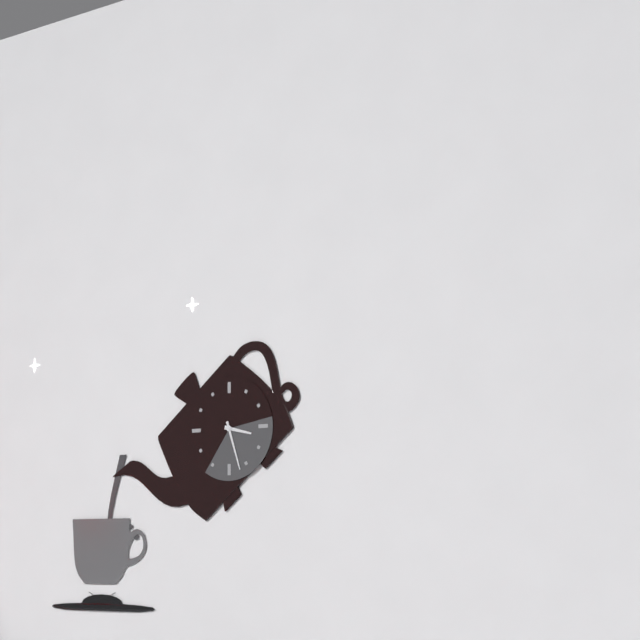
3:27
